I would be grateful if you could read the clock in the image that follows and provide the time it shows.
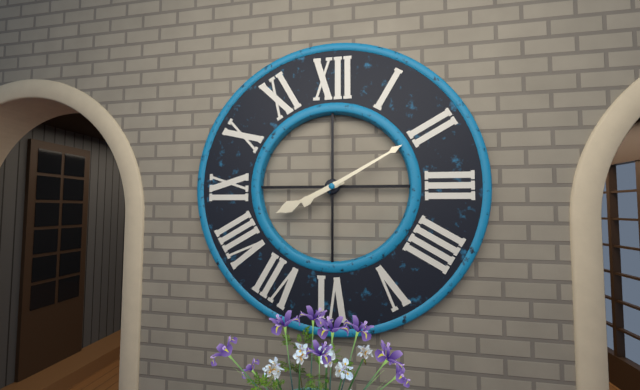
8:10
